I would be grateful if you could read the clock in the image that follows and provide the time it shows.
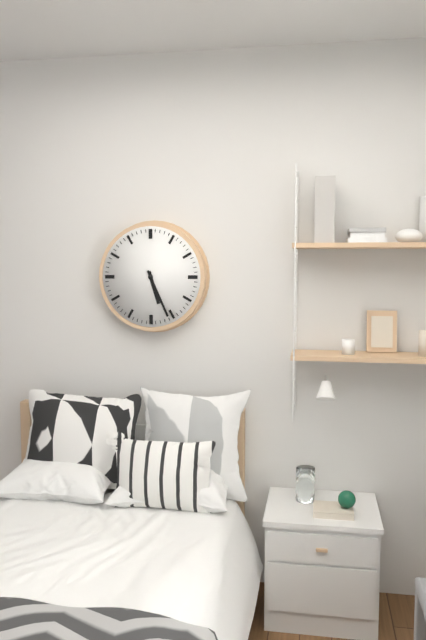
5:26
